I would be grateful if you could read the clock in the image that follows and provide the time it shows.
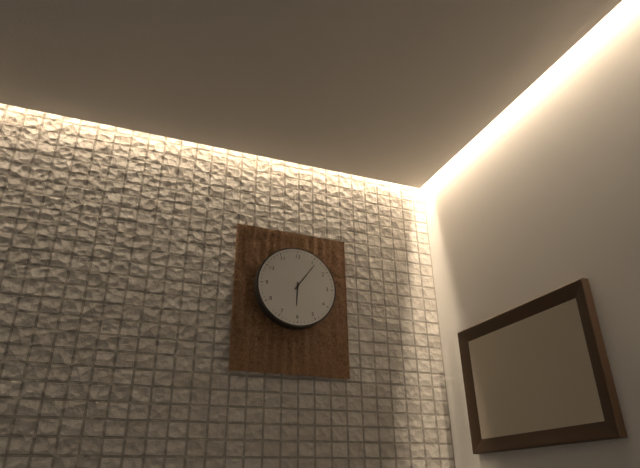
6:06
